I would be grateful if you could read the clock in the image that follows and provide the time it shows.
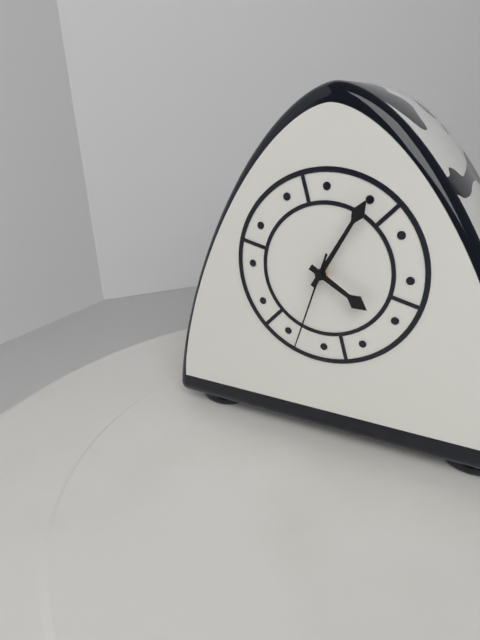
4:05:33
